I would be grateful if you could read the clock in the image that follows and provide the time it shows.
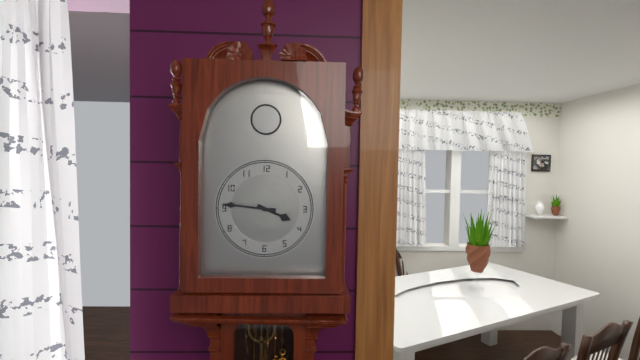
3:46
